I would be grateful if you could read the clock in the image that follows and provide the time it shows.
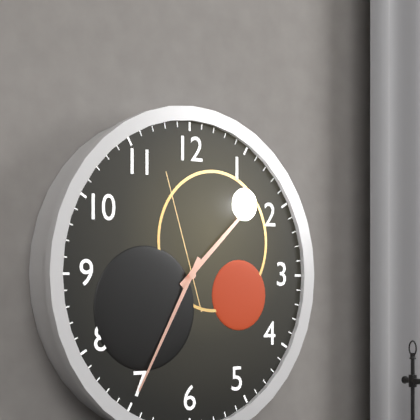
1:35:57
